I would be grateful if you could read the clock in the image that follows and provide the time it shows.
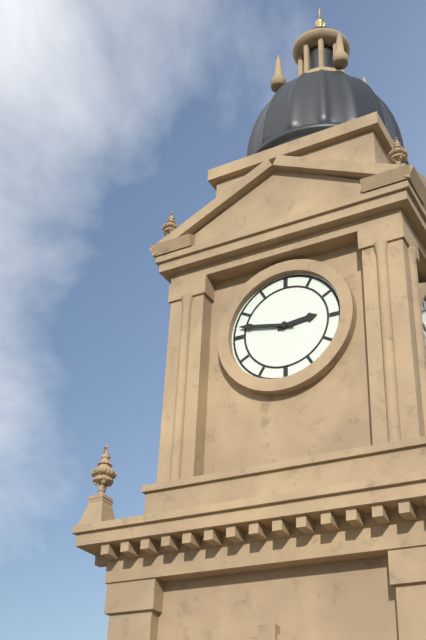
2:47
